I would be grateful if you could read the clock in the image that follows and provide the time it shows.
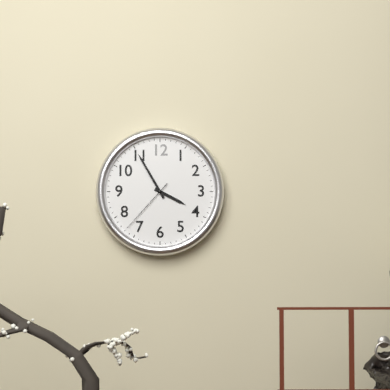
3:55:37
